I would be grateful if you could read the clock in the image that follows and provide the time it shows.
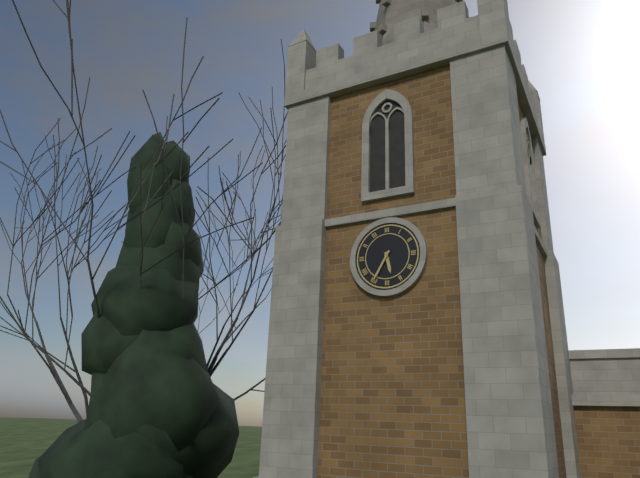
5:35
